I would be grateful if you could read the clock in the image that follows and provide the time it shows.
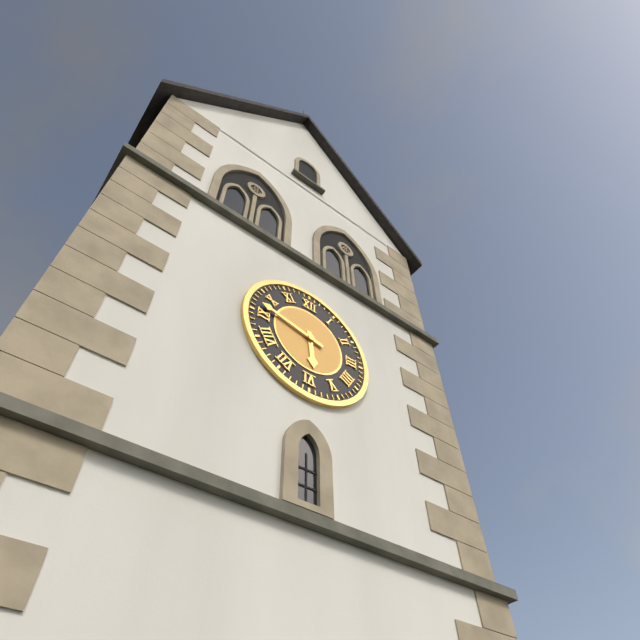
5:47
